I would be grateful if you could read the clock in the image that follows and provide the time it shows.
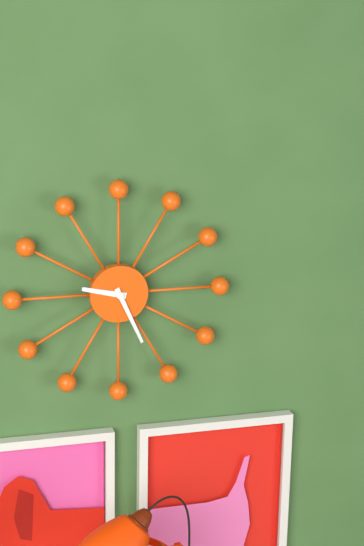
9:26
